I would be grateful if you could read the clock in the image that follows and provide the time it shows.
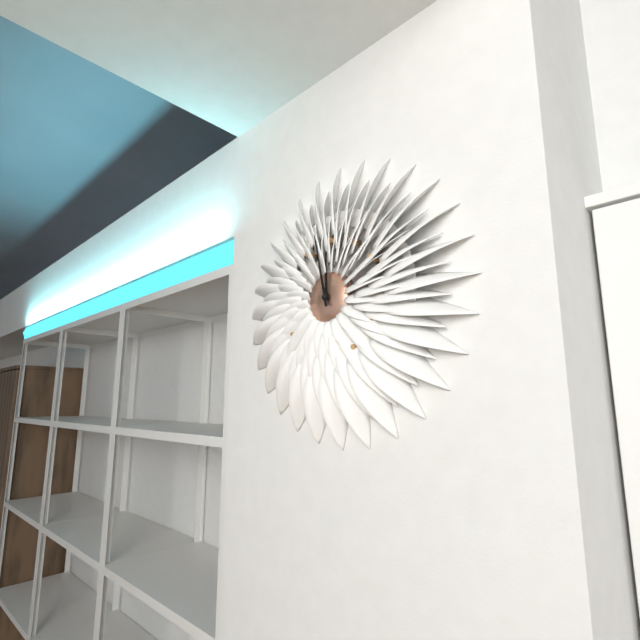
11:58
